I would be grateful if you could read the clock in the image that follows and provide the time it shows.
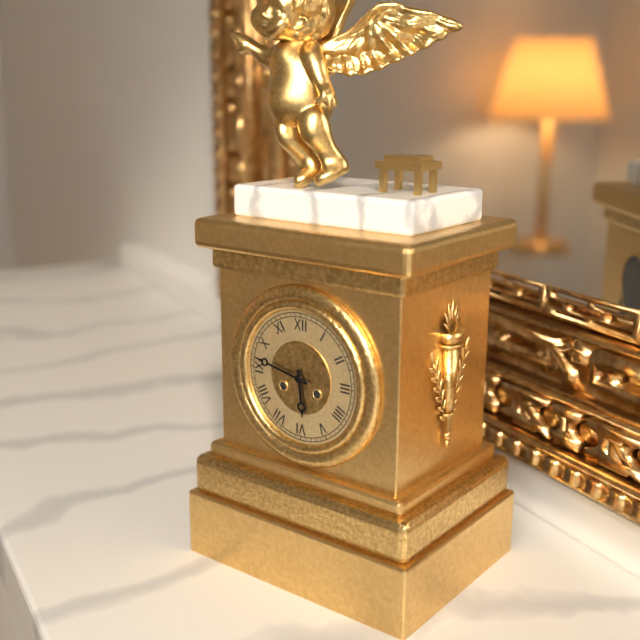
5:47
